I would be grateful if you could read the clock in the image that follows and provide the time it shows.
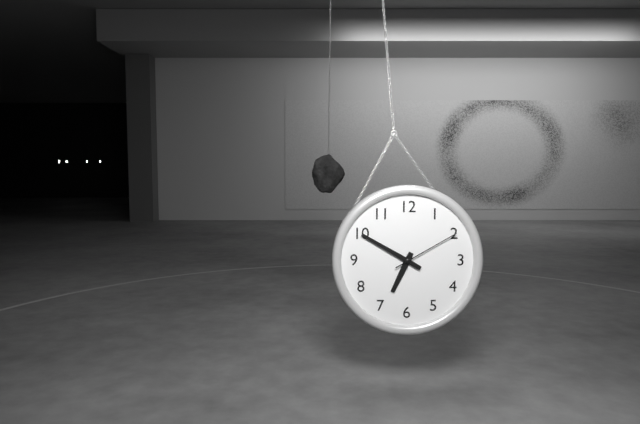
6:50:10
